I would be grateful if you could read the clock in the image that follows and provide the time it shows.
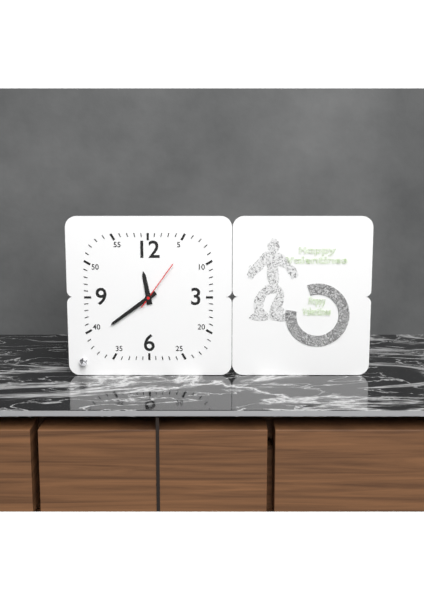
11:39:06
